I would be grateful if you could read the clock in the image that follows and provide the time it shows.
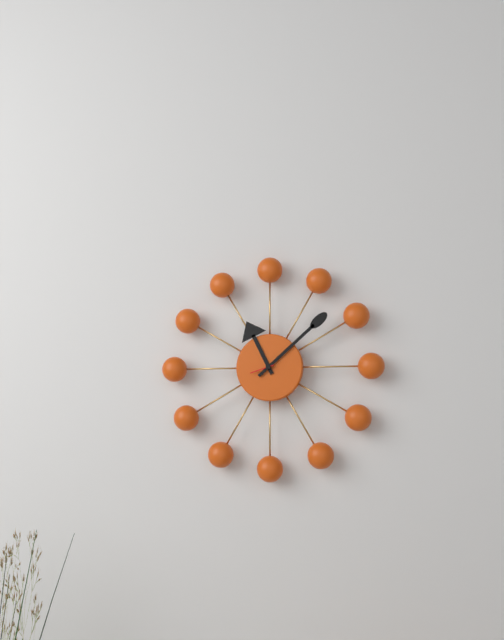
11:08
